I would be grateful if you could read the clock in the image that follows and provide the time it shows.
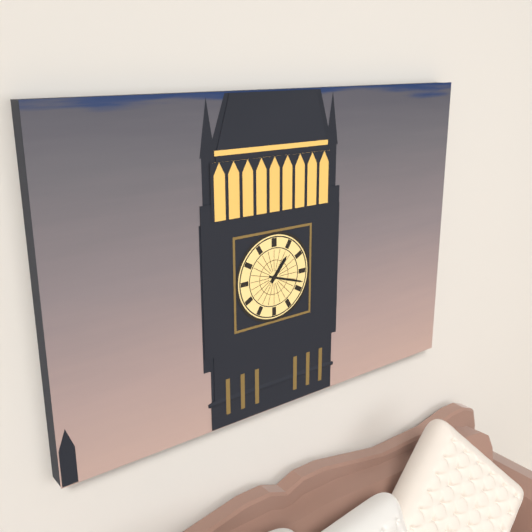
1:18
